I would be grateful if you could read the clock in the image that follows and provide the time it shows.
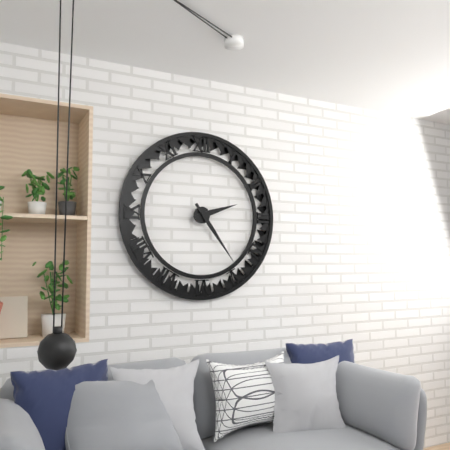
2:24
